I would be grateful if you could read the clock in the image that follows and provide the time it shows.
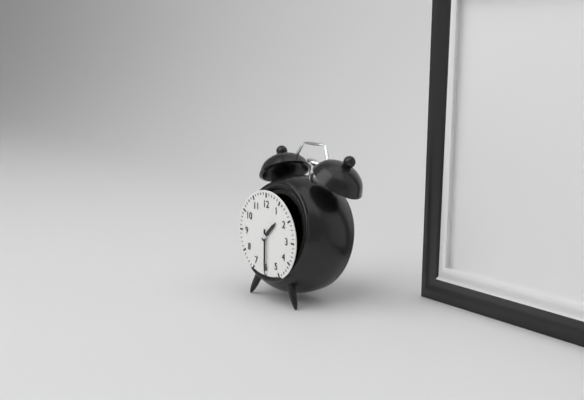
1:30
